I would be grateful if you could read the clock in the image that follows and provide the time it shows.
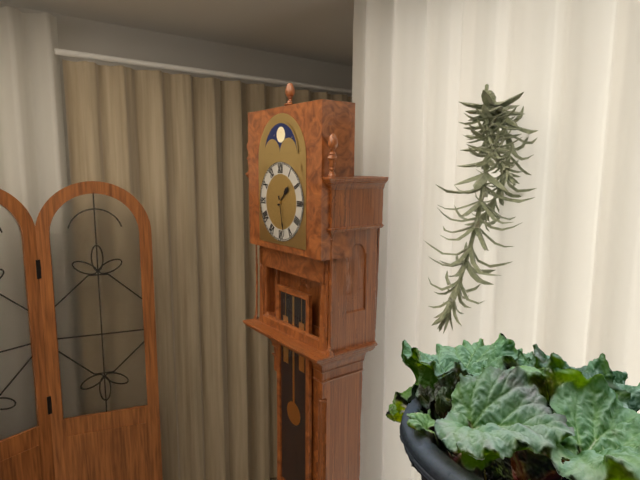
1:28
